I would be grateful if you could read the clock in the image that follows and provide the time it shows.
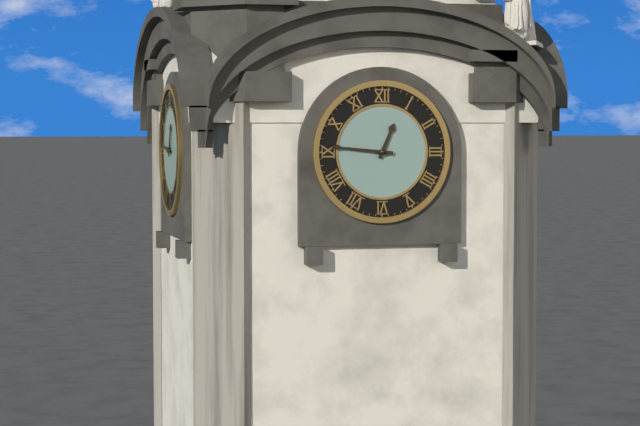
12:46
